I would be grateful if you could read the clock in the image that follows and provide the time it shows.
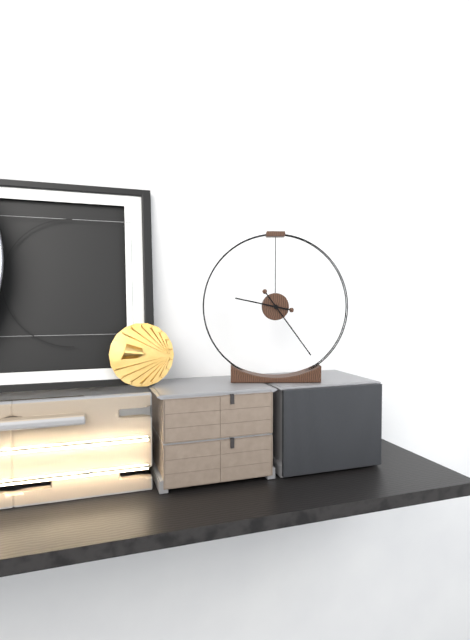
9:24
